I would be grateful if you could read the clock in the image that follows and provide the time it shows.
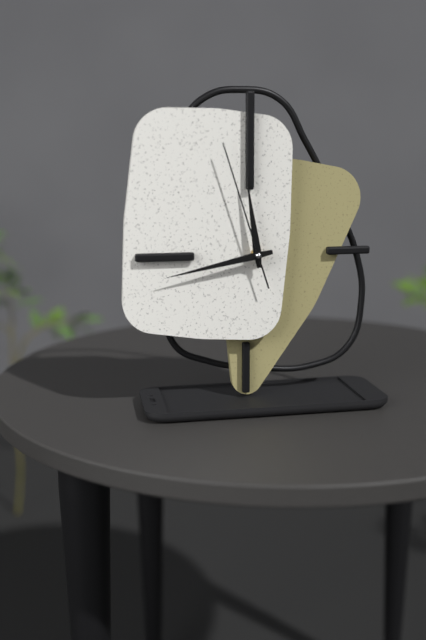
11:43:57
